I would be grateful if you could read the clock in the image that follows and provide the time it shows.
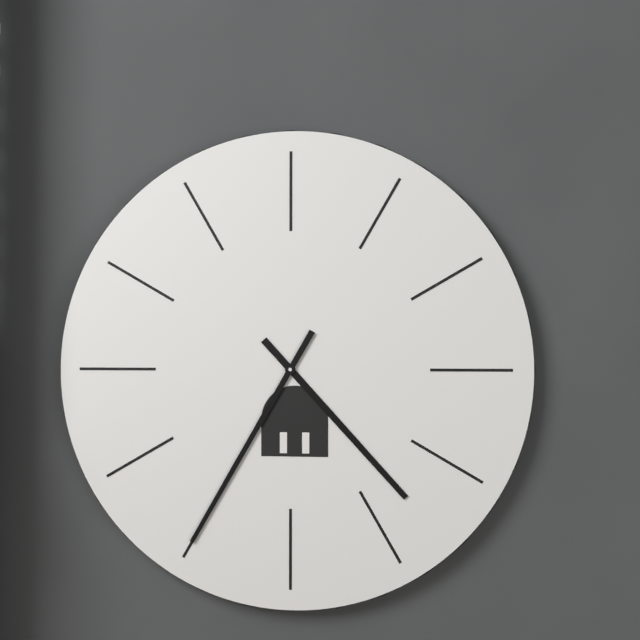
4:35
